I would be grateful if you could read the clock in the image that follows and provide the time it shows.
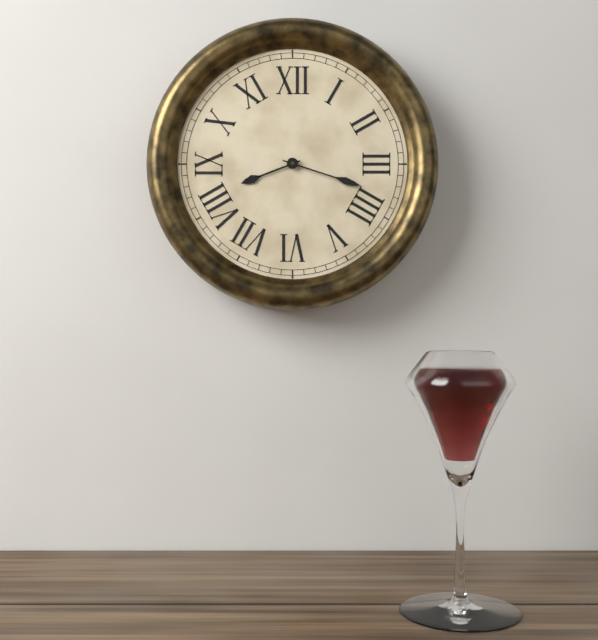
8:18
